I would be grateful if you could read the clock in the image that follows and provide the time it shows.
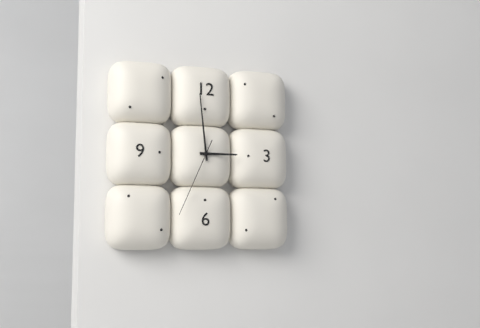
2:59:34
